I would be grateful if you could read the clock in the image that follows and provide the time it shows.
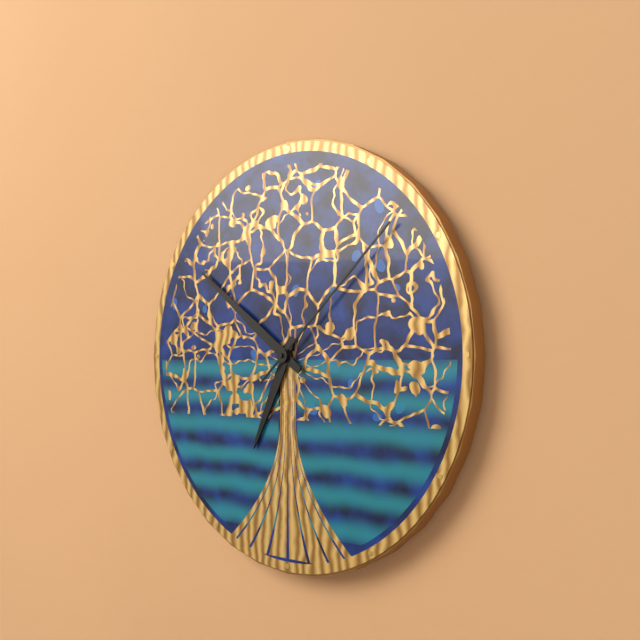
6:51:08
